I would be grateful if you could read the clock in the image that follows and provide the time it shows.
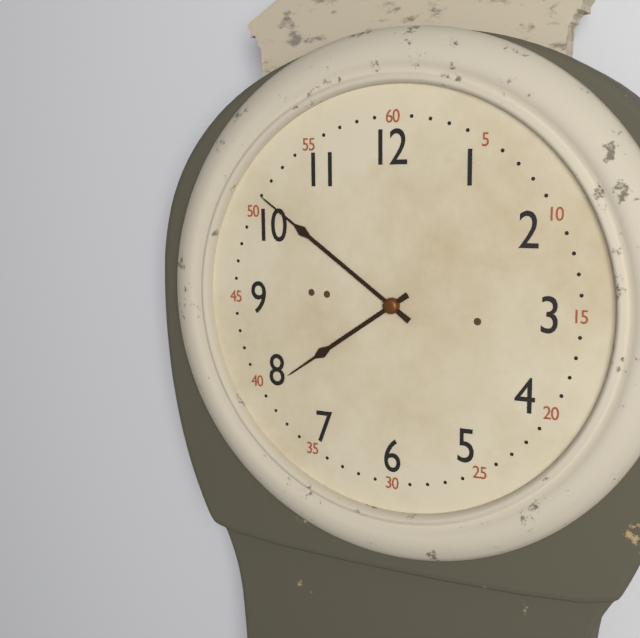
7:51
